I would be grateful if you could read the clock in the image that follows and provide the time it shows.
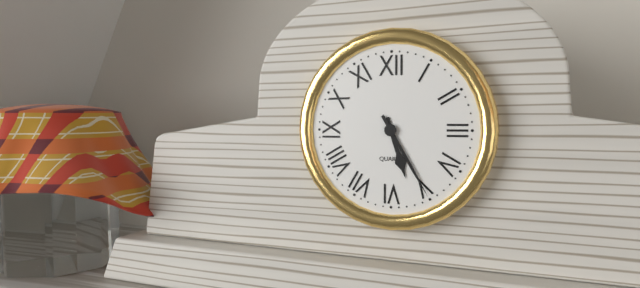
5:25
